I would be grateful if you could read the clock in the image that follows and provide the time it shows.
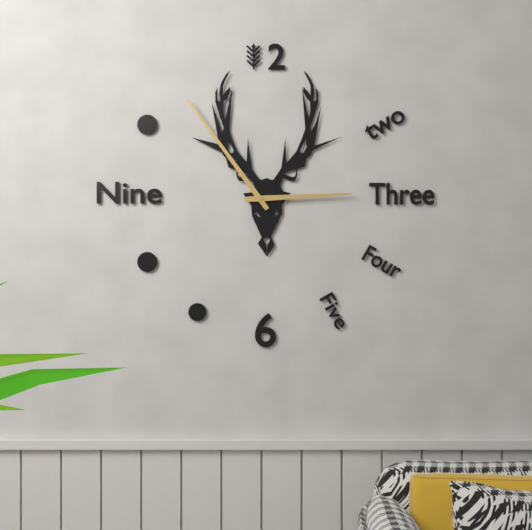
2:54
